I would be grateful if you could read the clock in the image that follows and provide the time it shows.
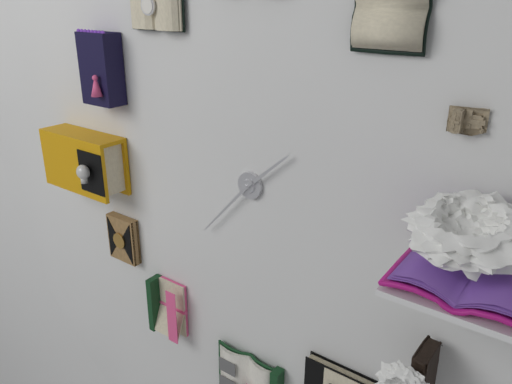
1:37
